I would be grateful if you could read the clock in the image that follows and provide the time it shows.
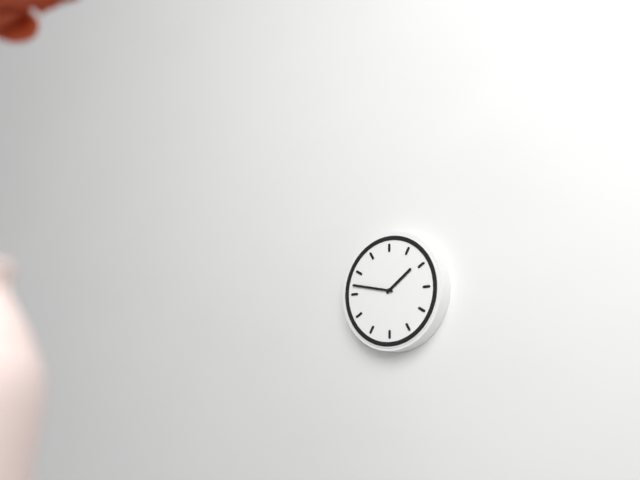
1:47
